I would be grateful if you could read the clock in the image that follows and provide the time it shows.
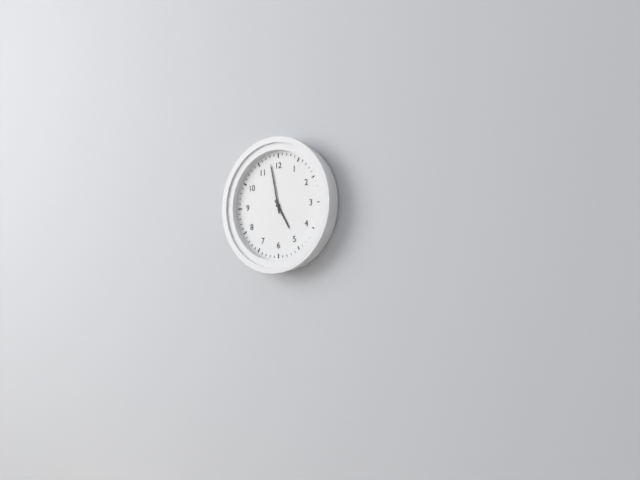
4:58
